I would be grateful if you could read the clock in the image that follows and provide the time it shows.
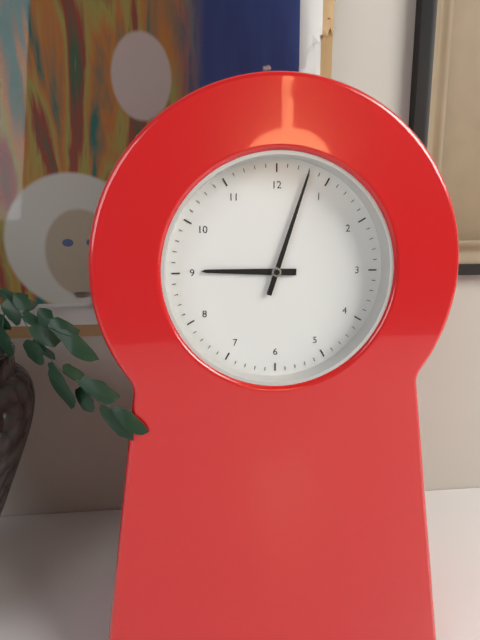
9:03
